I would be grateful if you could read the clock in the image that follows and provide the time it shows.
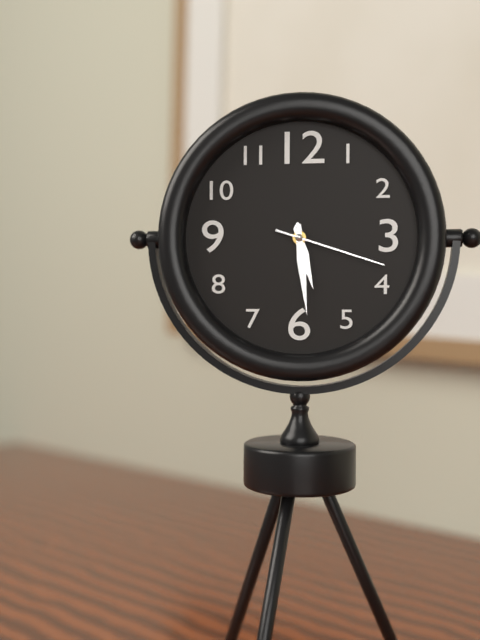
5:29:18
